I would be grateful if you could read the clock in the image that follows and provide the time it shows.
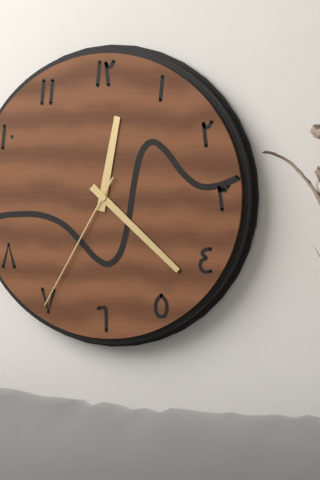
12:22:35
